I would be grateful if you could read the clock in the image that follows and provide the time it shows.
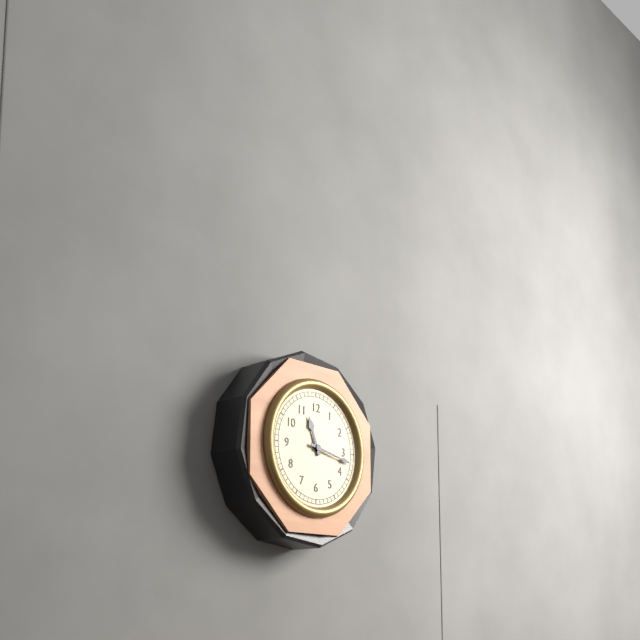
11:17
